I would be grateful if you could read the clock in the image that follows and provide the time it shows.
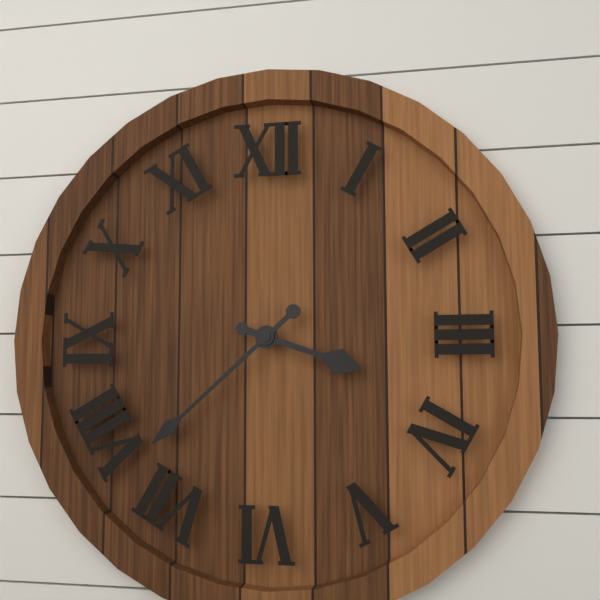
3:38
